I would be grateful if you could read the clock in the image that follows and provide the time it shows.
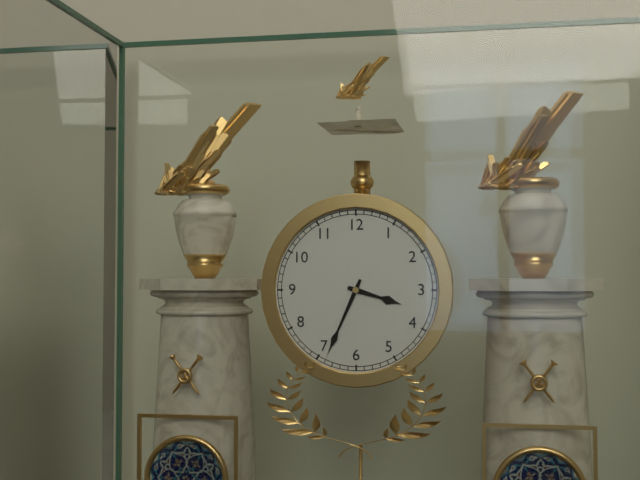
3:34
